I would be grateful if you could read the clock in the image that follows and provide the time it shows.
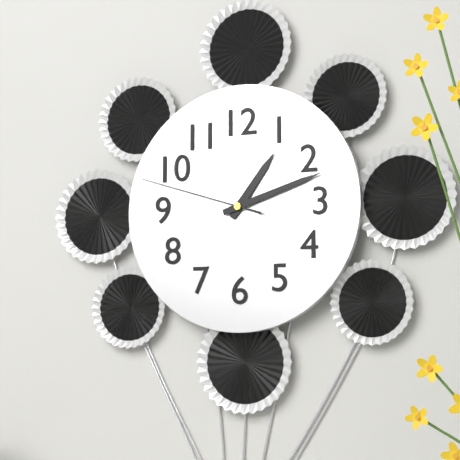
1:12:48
